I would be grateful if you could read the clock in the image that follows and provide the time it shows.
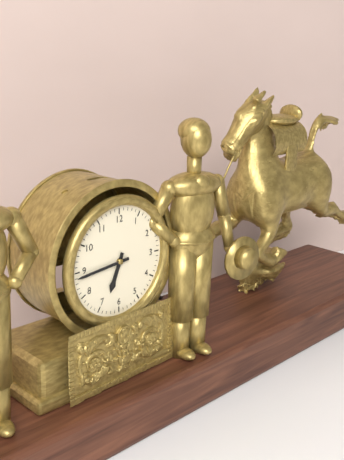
6:44
